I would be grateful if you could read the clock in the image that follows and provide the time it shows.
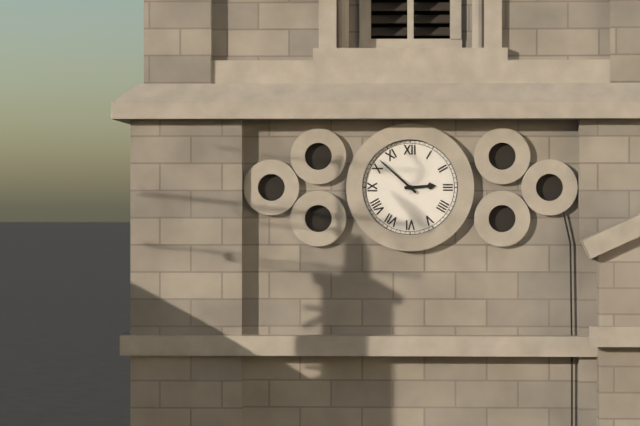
2:52
